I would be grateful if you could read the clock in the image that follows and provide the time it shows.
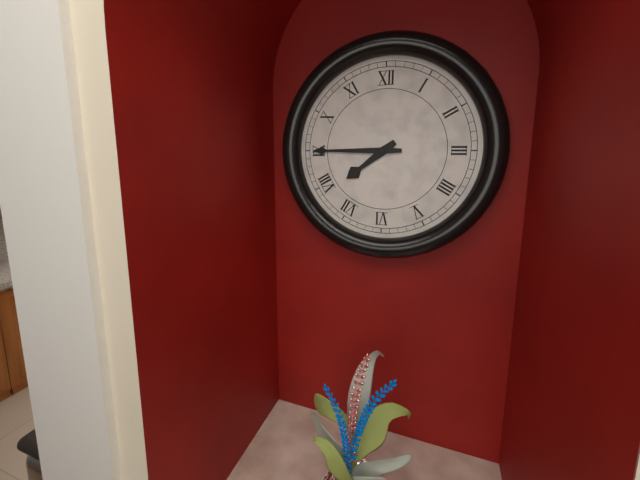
7:45
